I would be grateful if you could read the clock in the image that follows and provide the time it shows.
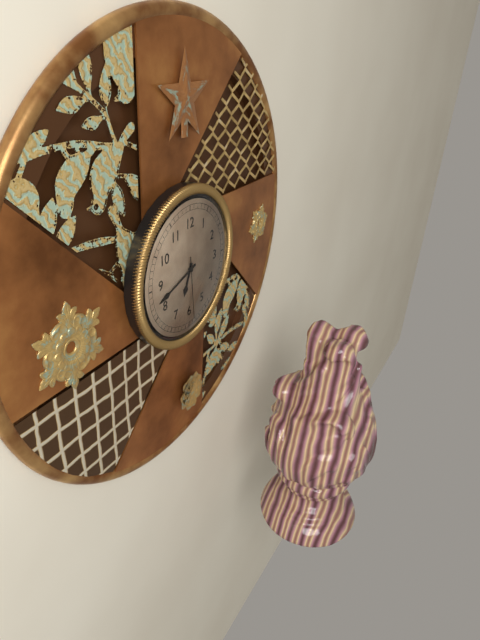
6:42:29
